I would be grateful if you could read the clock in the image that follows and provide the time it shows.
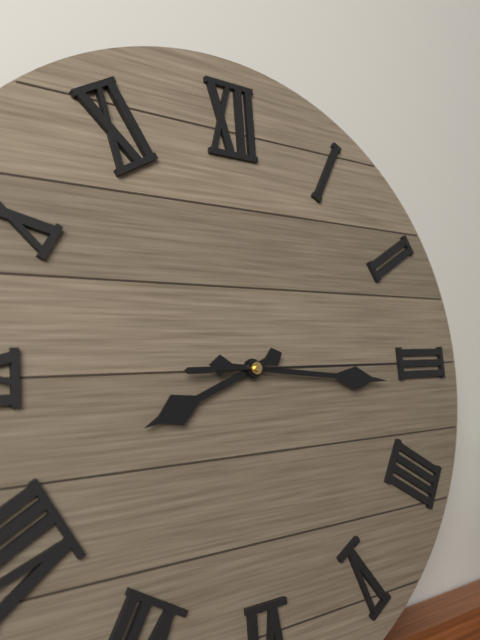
8:16:15
